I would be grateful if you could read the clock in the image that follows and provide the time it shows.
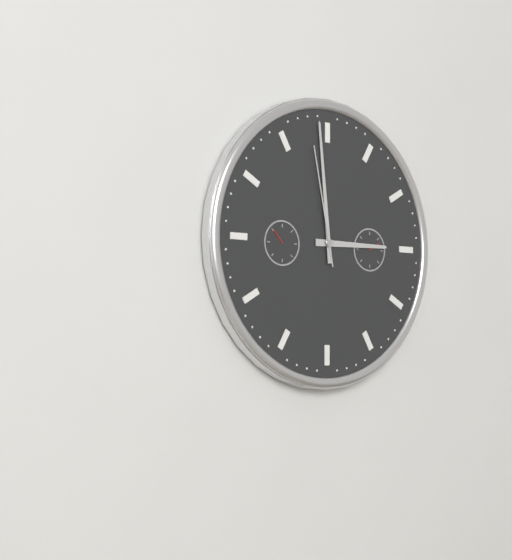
2:59:58
